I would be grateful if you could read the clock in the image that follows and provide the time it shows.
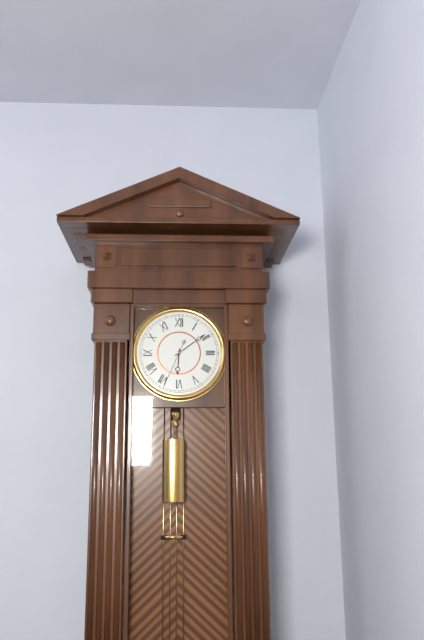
6:09
